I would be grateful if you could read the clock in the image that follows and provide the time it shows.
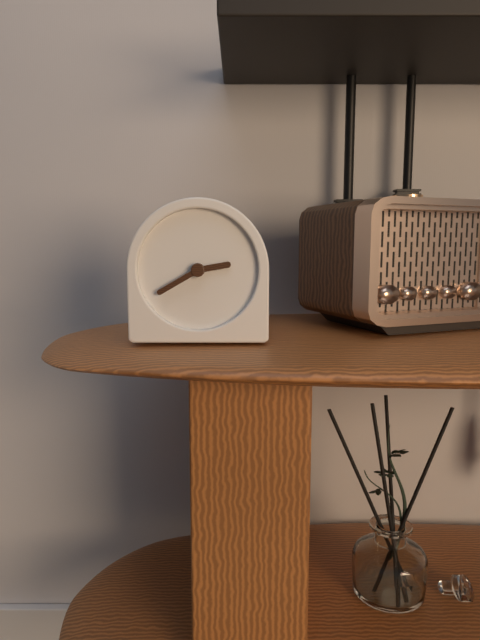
2:40
